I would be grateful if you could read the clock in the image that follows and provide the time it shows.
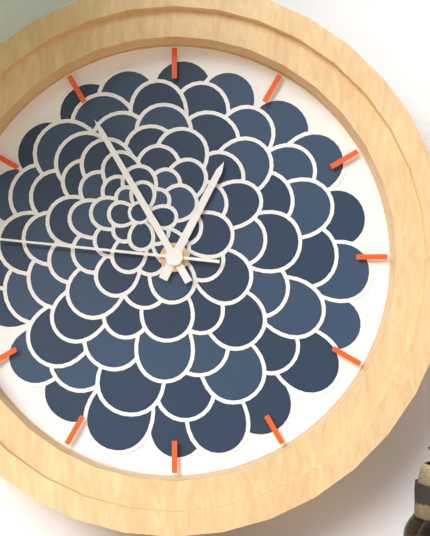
12:55
